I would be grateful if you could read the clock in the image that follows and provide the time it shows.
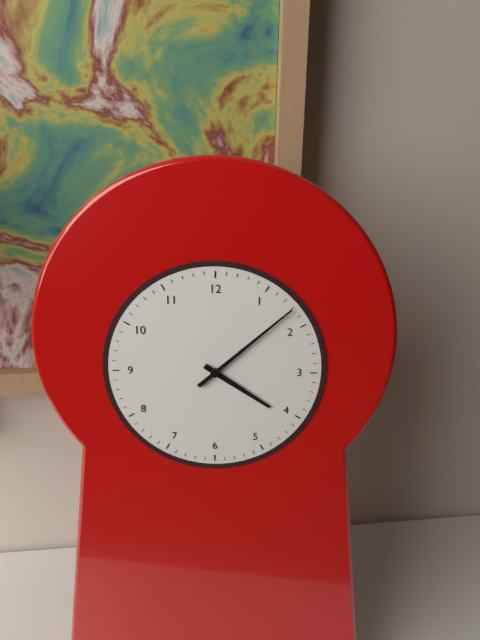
4:08
